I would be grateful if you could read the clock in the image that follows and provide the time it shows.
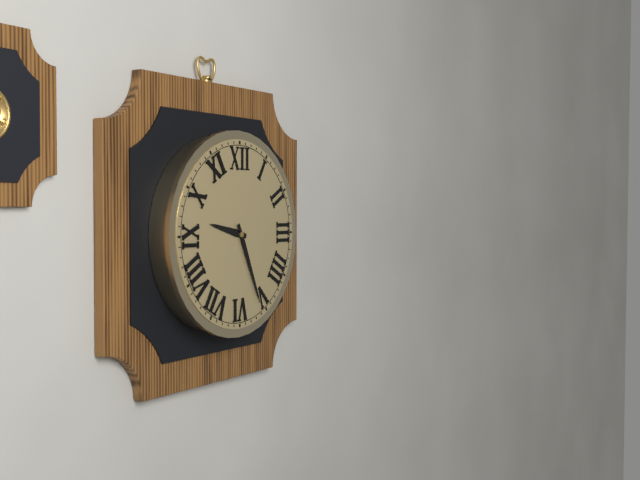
9:26
